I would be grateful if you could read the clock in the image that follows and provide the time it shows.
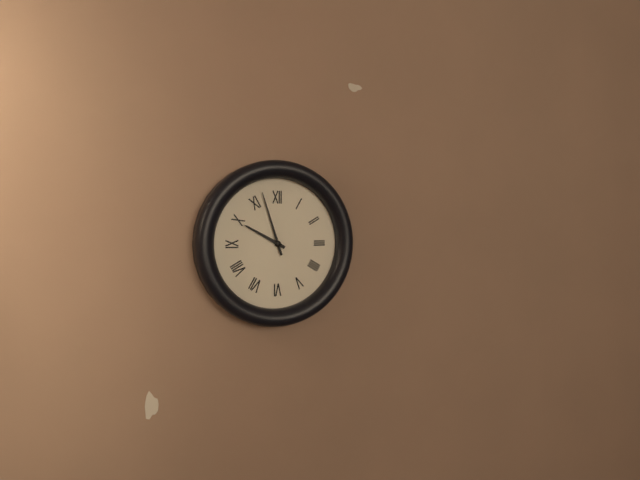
9:57
